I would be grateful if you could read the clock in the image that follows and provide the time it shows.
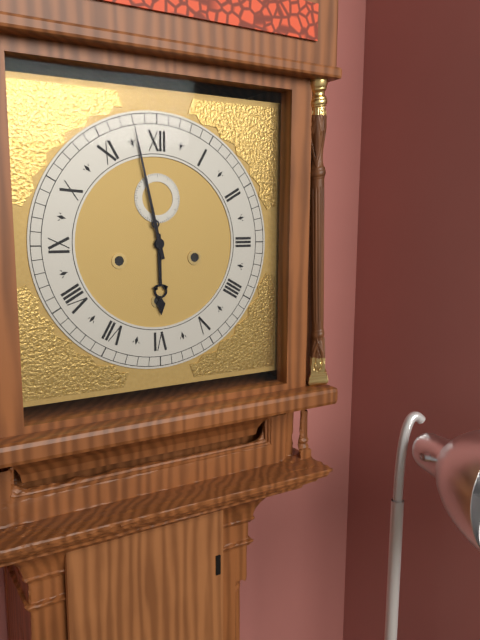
5:58
